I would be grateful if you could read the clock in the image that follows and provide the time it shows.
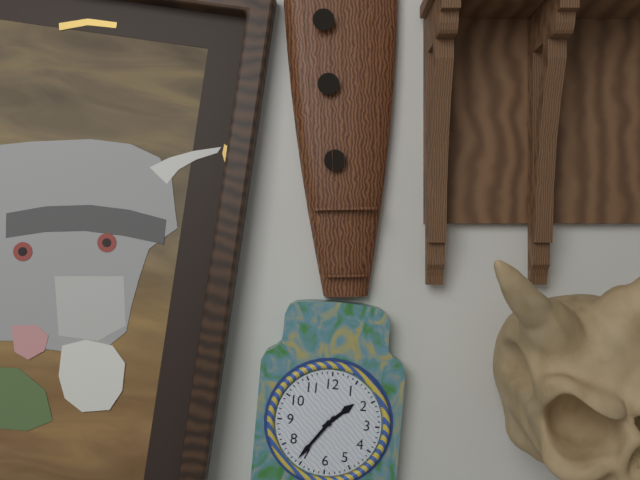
1:36
